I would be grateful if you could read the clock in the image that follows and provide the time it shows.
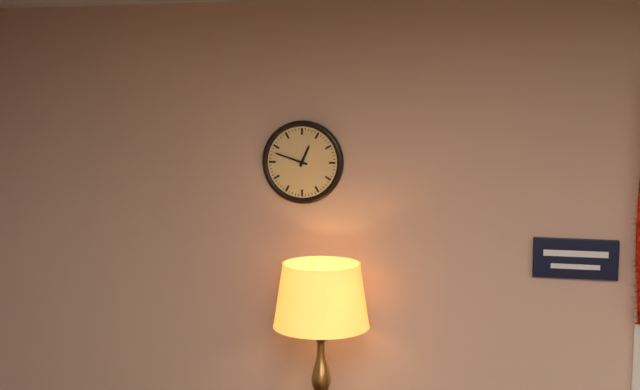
12:48
